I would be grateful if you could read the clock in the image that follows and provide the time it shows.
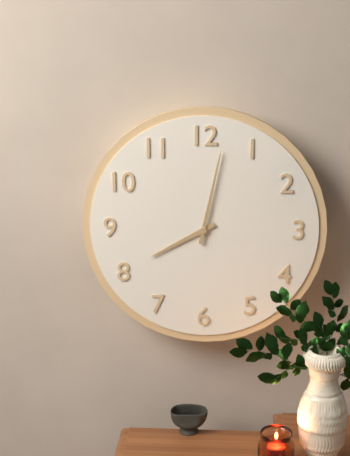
8:02
